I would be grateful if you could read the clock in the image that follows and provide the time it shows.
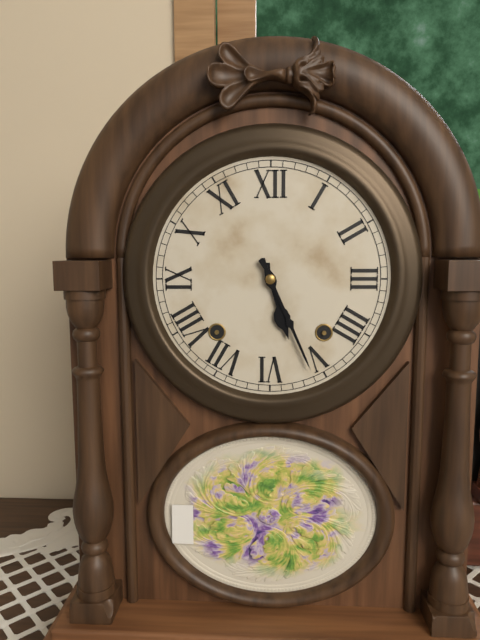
5:26
